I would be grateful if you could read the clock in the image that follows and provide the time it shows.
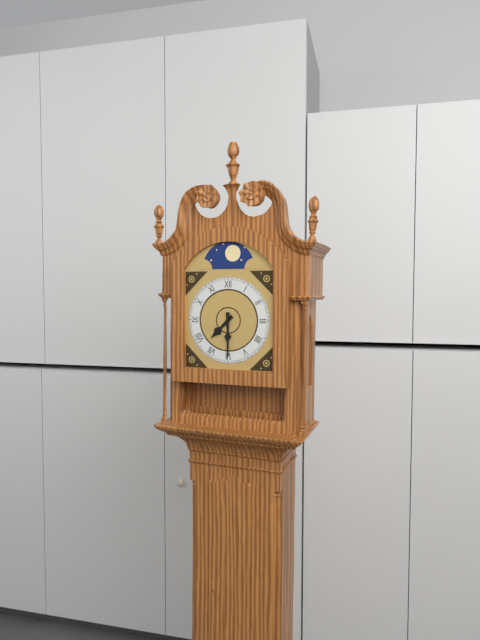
7:30
